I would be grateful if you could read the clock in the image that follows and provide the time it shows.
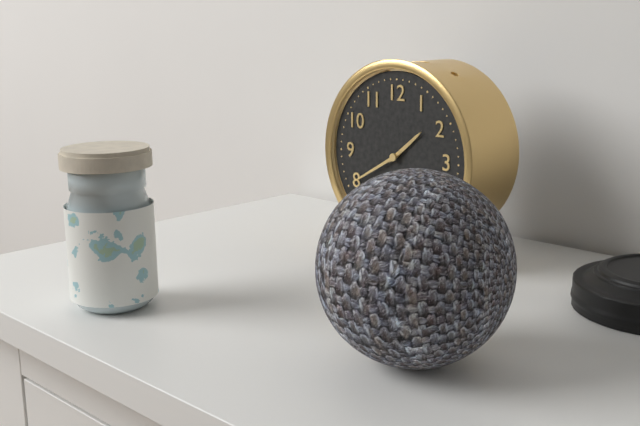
1:40
